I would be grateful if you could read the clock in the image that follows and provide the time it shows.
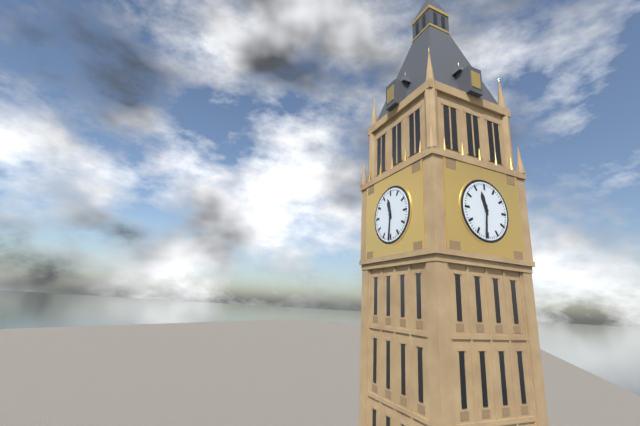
11:31
